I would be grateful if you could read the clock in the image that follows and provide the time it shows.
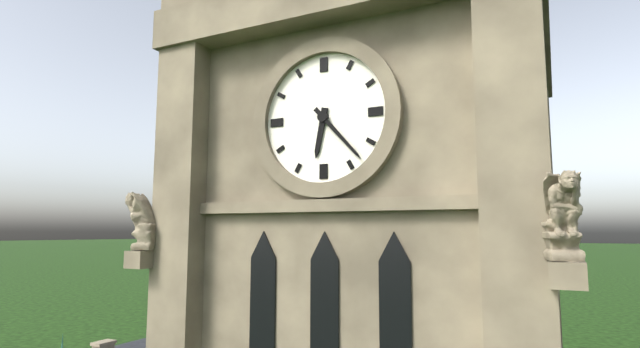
6:23
